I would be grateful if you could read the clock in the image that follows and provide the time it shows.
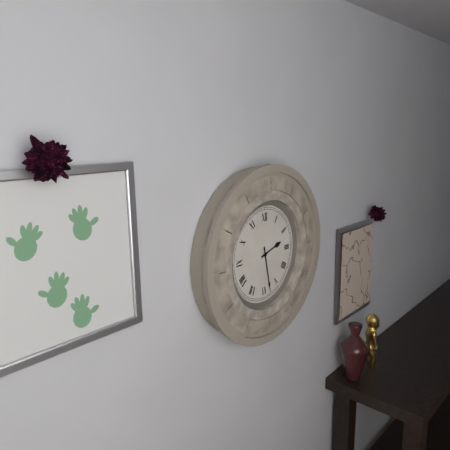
2:28
